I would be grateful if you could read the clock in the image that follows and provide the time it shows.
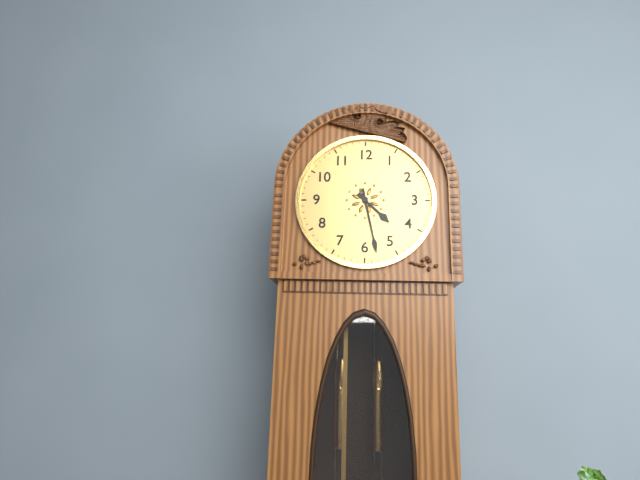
4:28
